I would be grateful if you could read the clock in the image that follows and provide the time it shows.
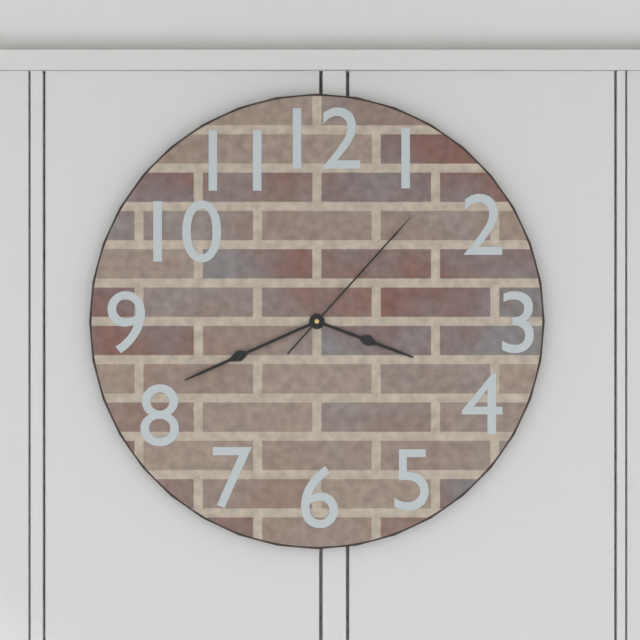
3:41:07
